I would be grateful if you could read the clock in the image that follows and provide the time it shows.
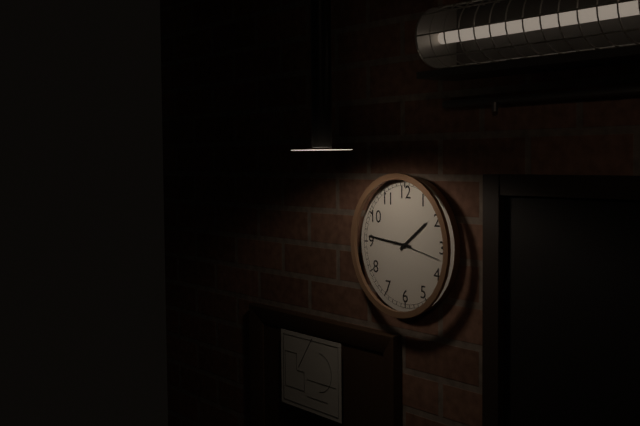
1:46
